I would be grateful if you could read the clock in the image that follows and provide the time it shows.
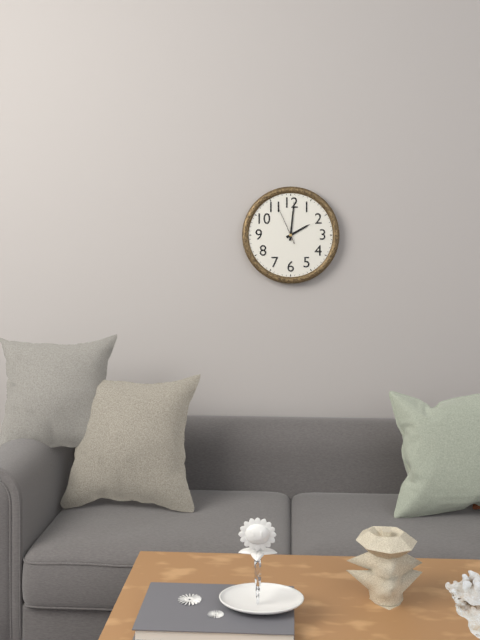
2:01
